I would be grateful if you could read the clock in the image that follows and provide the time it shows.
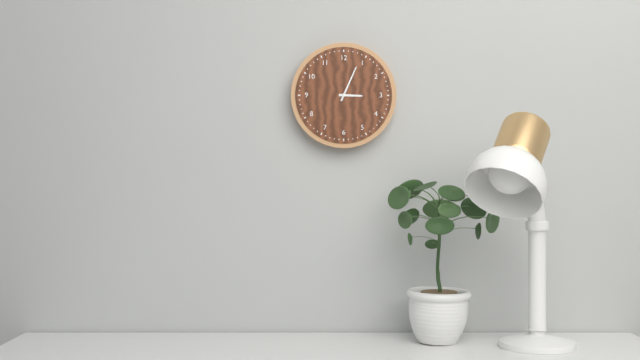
3:04
